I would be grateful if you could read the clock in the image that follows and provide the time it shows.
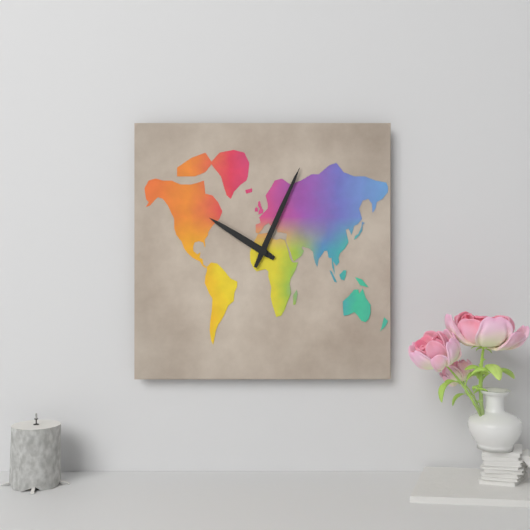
10:04
